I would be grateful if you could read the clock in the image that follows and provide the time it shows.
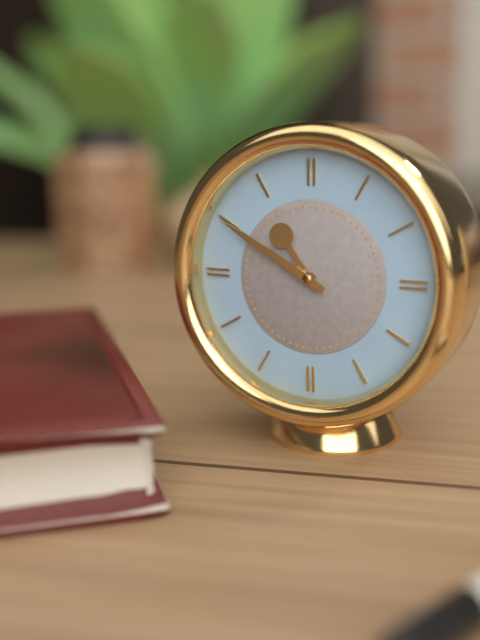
10:50
